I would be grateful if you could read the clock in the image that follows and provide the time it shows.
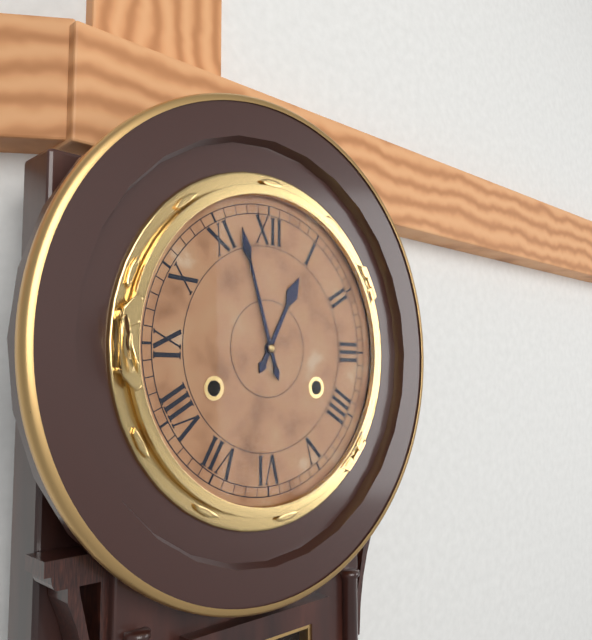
12:57
